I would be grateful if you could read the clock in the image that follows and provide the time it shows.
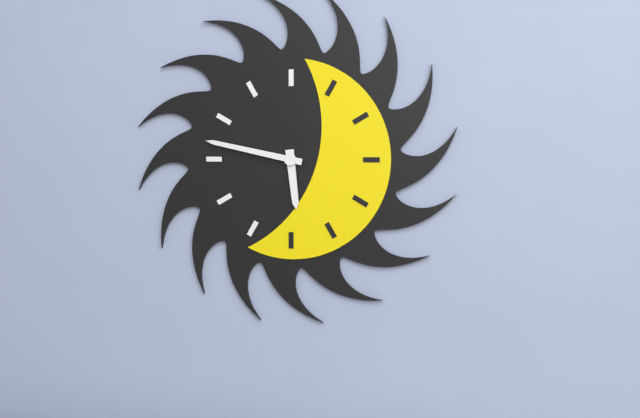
5:47
